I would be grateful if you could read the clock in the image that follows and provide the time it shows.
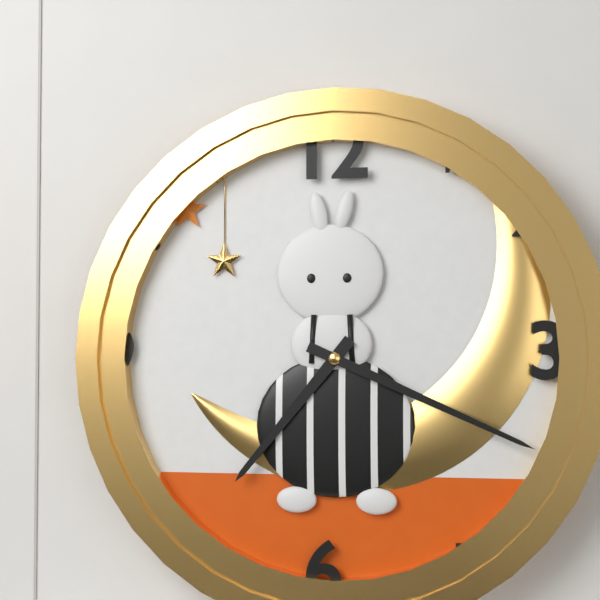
7:19
